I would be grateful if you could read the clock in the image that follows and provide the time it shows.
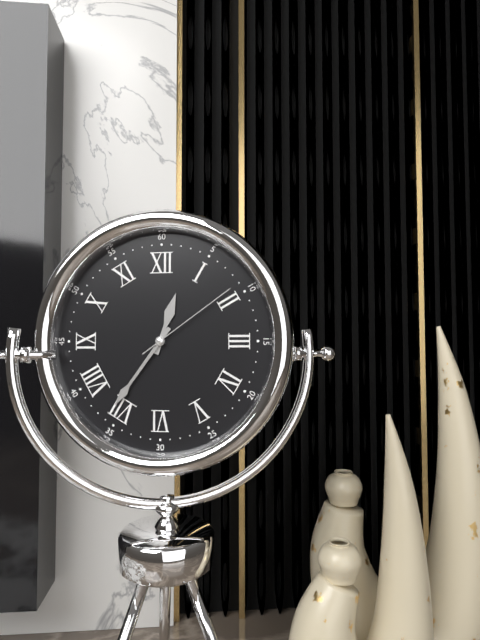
12:36:09
